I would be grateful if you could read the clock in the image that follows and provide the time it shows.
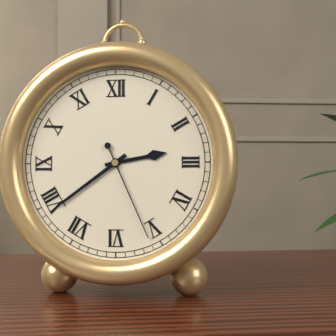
2:39:26
